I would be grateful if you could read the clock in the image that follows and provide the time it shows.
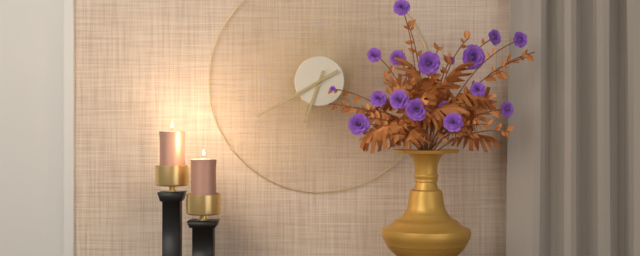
6:40
